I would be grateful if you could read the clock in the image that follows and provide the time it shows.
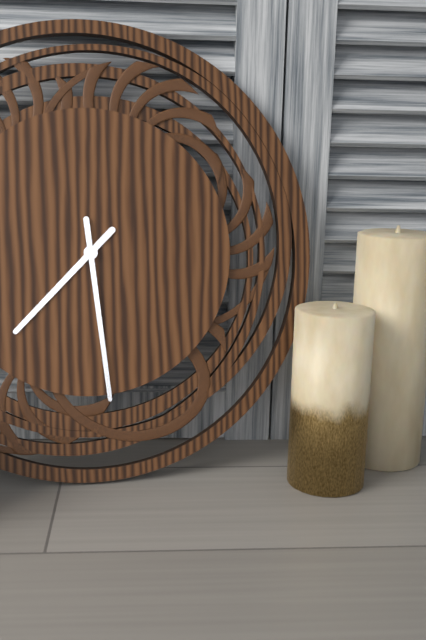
7:29
